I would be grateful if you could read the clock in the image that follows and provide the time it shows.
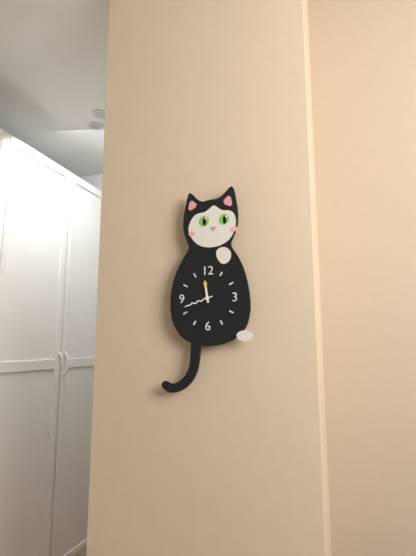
11:42
